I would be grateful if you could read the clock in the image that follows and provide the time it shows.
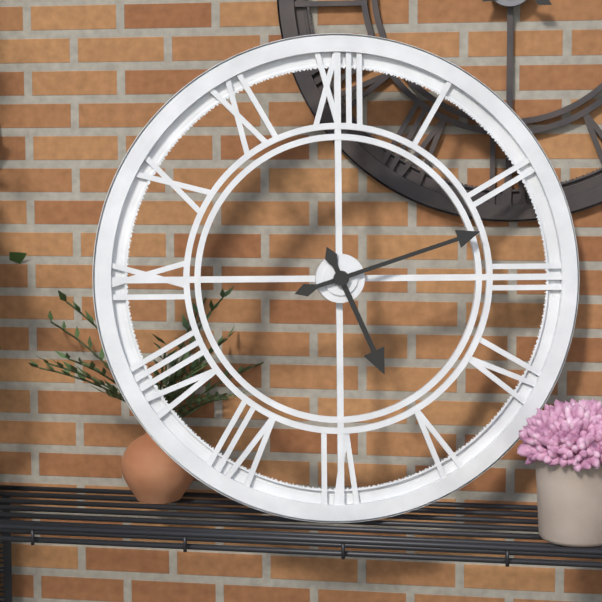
5:12
